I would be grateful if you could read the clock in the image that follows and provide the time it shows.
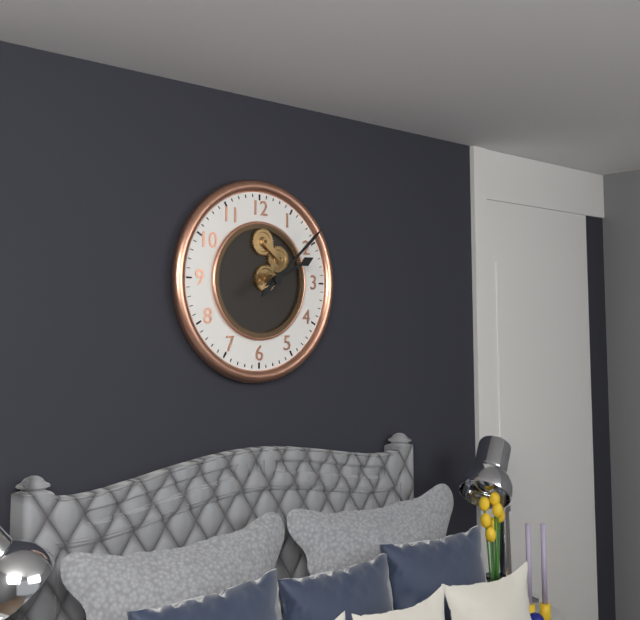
2:08
